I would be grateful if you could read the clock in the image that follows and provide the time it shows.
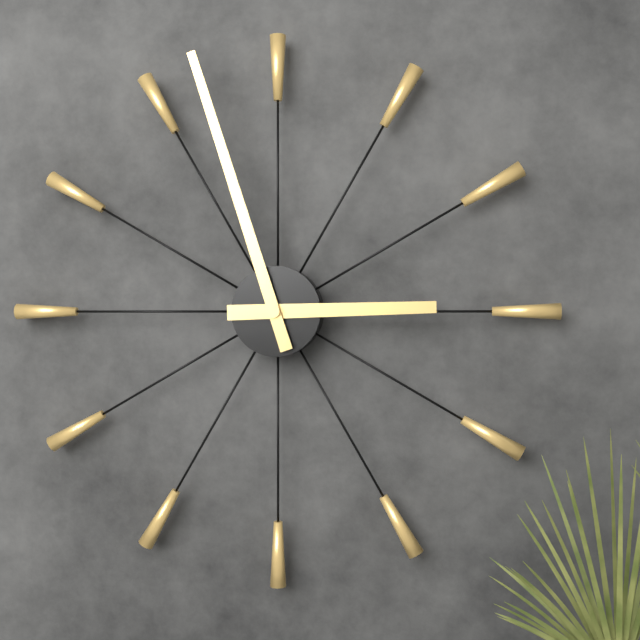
2:57
